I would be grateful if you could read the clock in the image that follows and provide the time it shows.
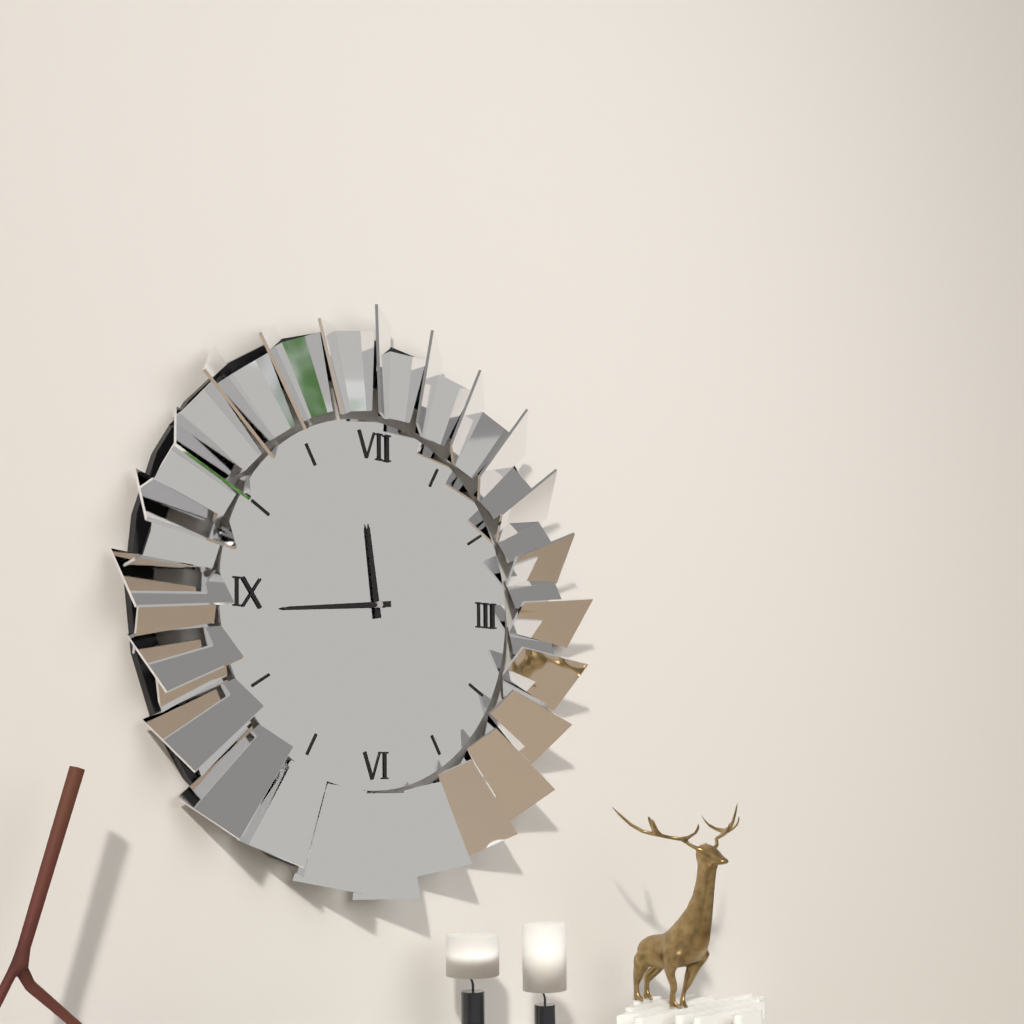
11:44
